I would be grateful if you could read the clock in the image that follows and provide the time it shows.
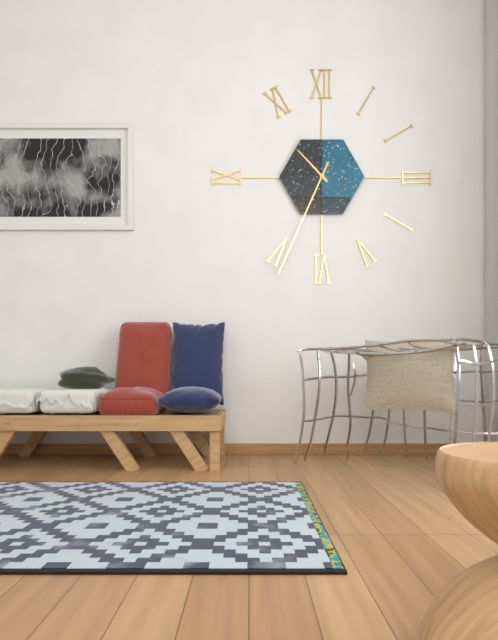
10:34
